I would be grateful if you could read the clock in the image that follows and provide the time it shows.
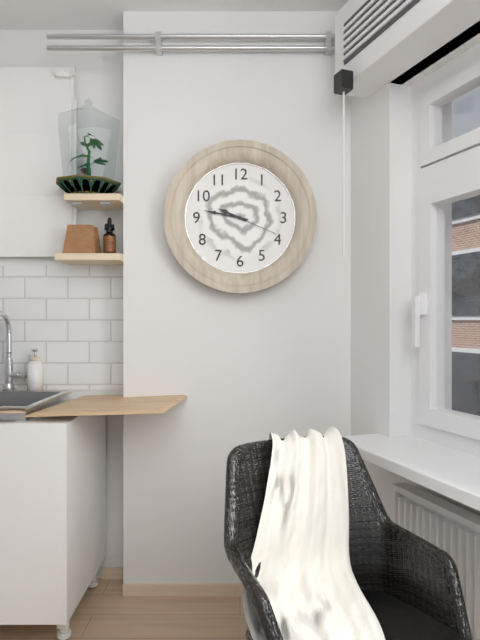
9:47
